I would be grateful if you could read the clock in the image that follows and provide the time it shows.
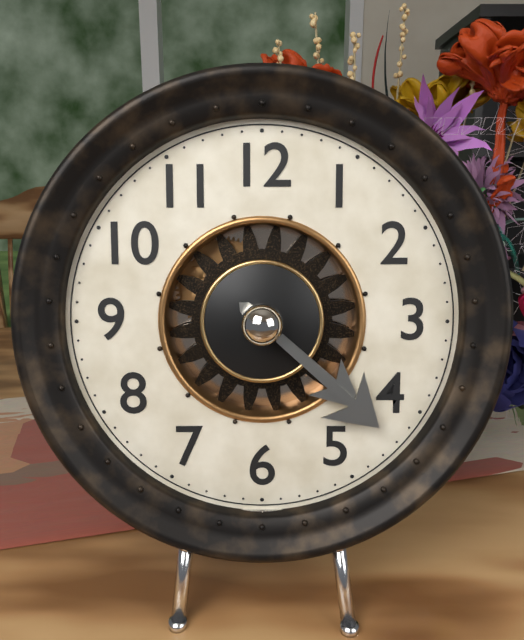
4:22
